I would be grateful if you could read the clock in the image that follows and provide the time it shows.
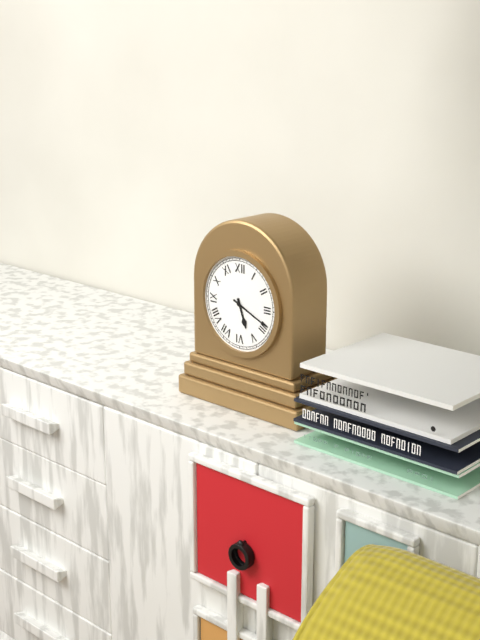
5:19
